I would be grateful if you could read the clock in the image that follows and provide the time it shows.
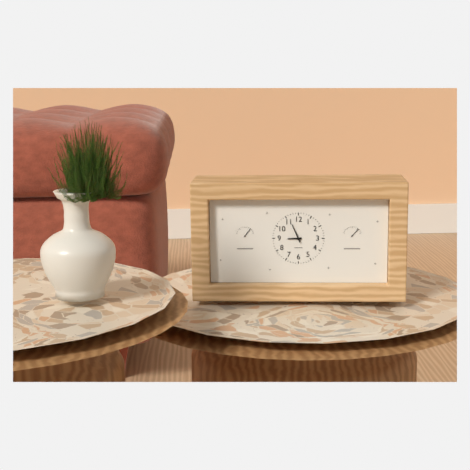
8:56
